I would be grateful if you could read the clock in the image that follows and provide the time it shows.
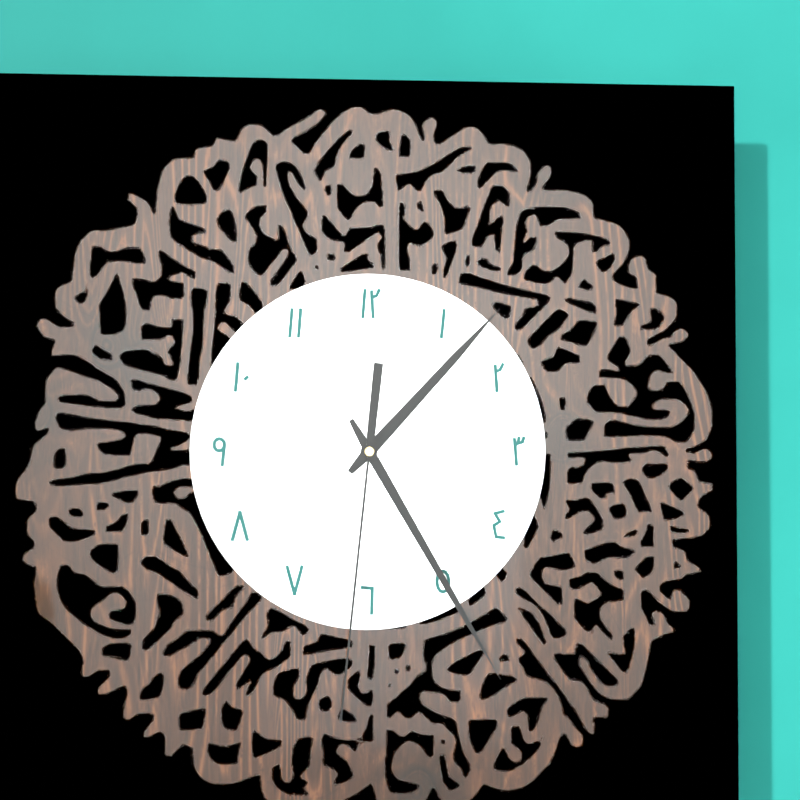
1:25:31
